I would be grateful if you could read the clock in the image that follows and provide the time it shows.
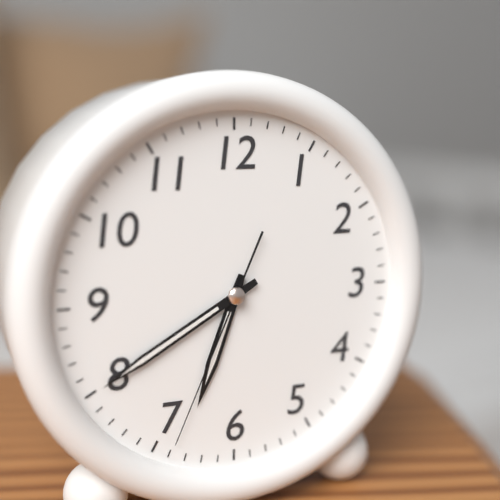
6:40:34
